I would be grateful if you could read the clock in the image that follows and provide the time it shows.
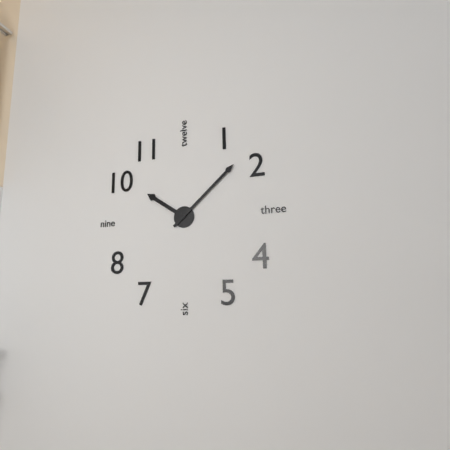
10:08
